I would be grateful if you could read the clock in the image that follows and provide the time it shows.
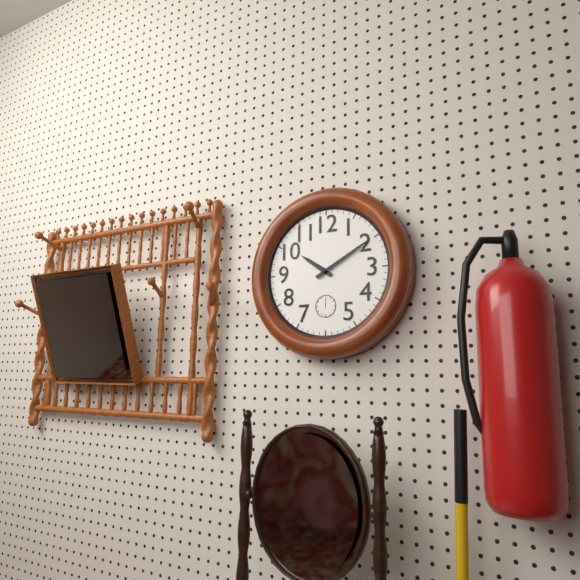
10:10
